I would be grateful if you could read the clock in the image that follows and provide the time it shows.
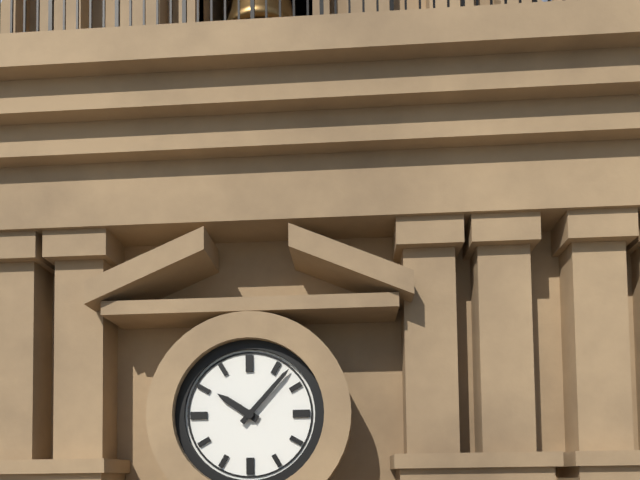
10:07
